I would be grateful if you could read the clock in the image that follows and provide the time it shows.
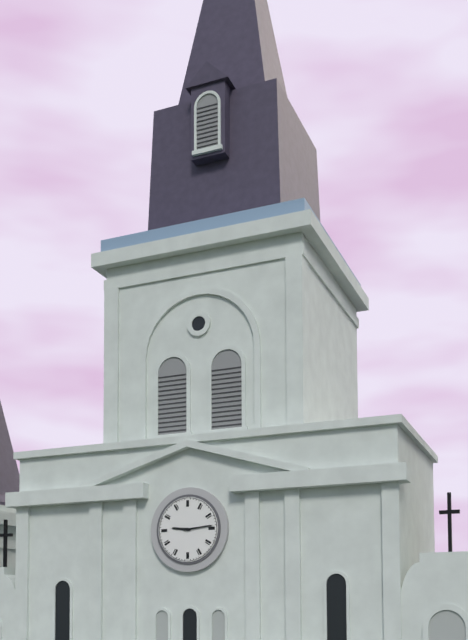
9:14
